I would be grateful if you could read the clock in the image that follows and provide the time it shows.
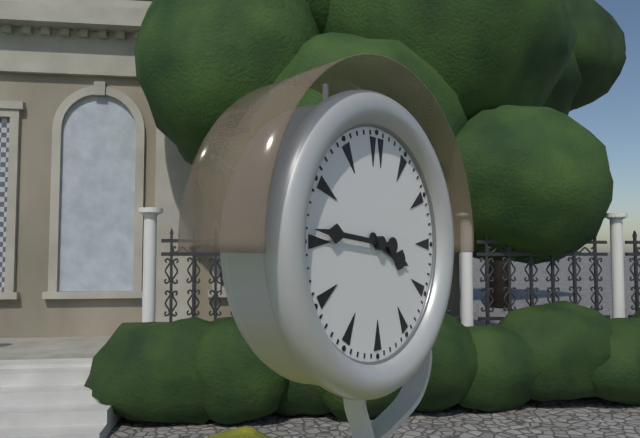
3:46
